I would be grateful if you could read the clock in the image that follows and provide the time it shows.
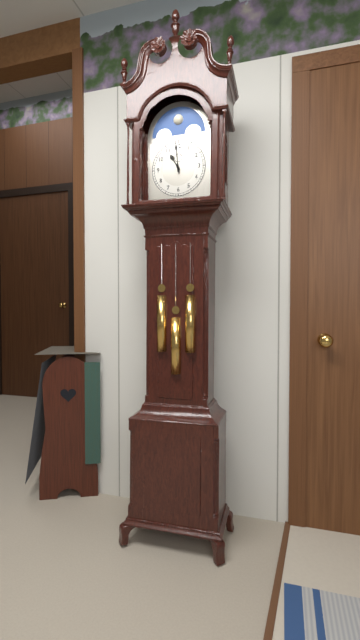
10:59
